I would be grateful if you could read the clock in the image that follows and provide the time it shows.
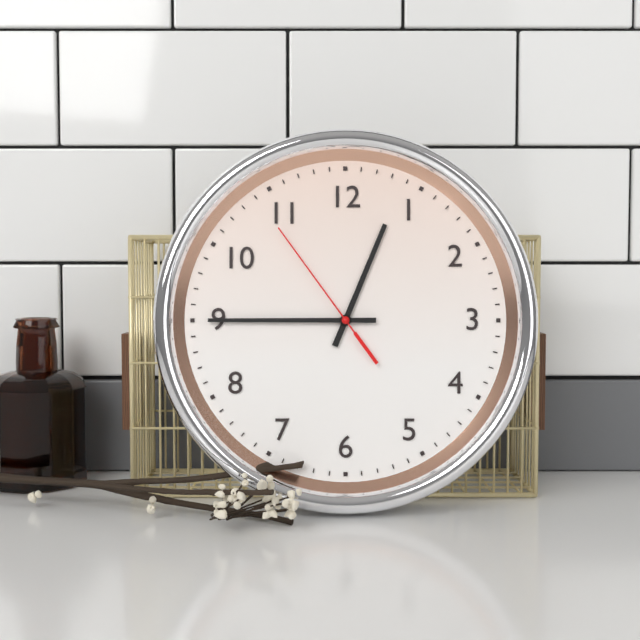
12:45:54
